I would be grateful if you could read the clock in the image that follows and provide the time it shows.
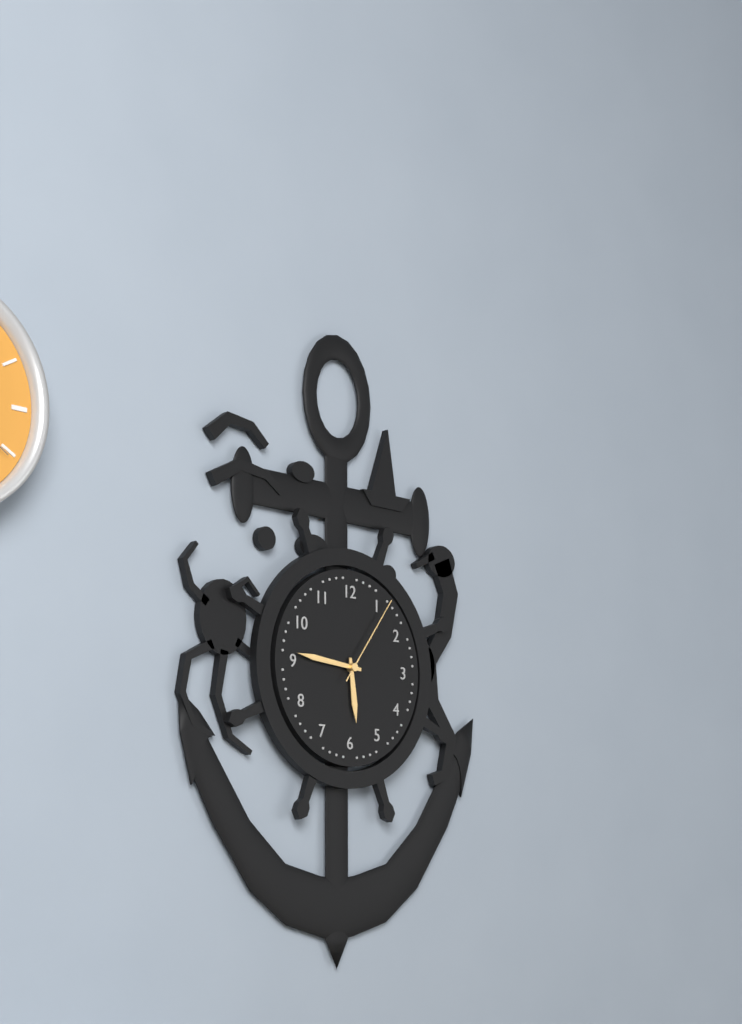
5:46:06
